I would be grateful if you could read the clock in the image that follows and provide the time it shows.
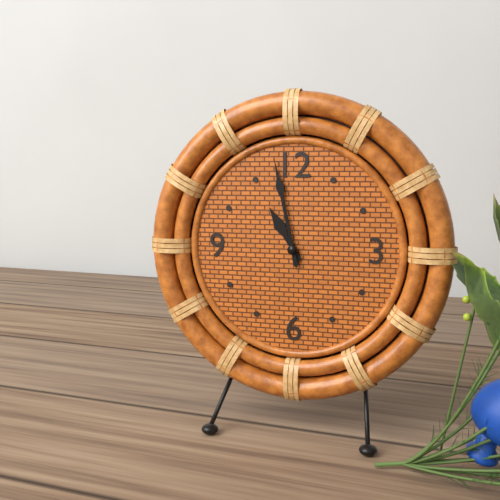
10:58
